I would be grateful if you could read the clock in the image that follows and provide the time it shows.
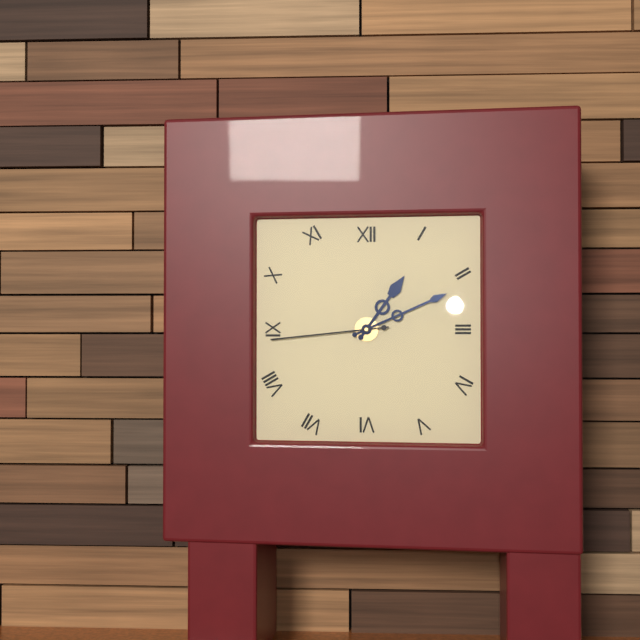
1:11:44
